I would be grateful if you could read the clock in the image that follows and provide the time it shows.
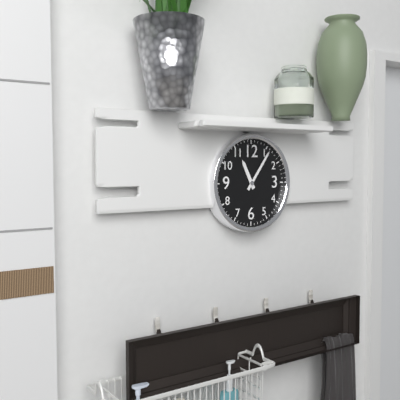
11:06
